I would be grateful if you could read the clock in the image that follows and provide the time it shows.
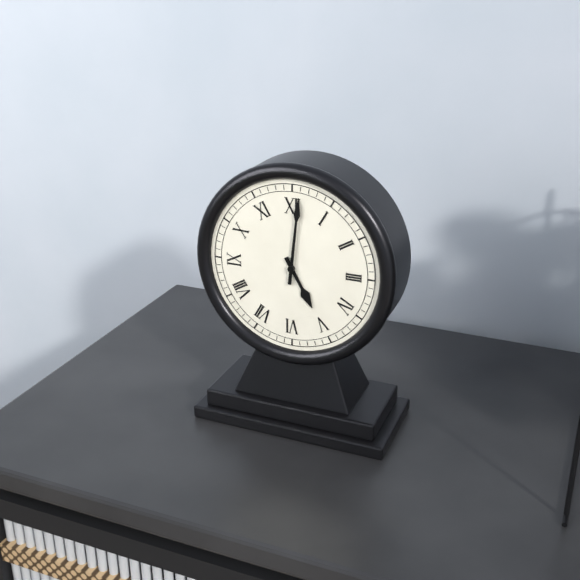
5:01
